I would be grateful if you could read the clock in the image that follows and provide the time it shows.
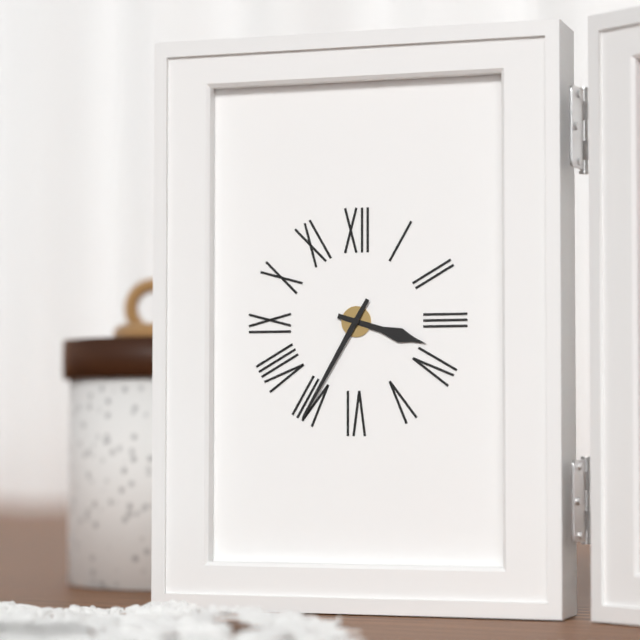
3:35
